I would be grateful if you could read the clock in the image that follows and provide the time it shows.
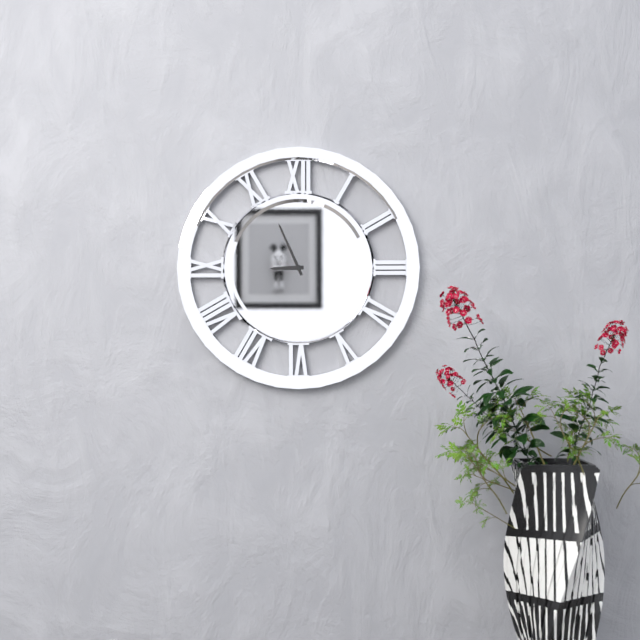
8:56
